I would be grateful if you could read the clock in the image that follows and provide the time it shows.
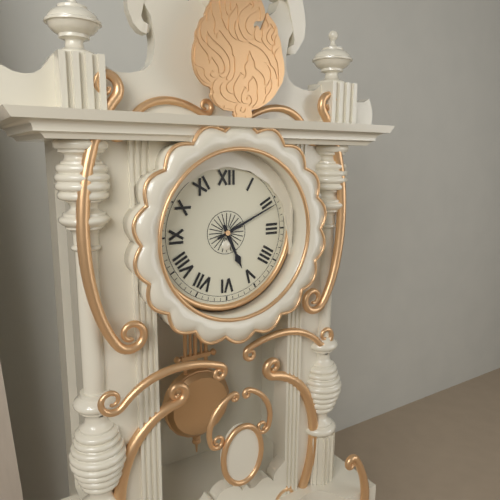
5:11
